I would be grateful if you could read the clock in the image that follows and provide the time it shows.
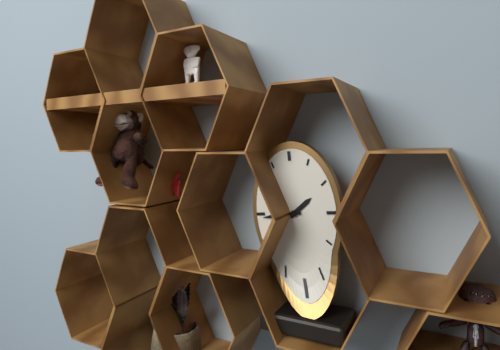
1:44
